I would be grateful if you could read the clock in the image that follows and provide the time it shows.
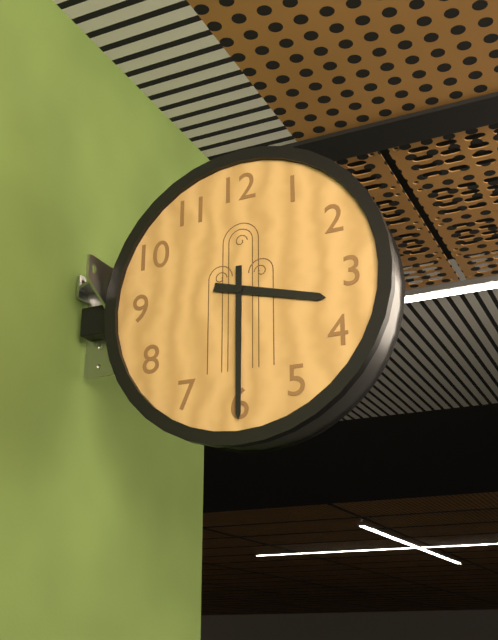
3:30
